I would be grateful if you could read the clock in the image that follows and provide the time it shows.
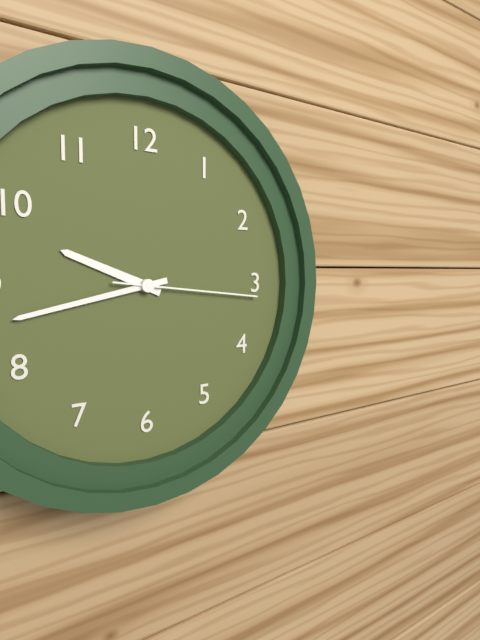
9:43:16
